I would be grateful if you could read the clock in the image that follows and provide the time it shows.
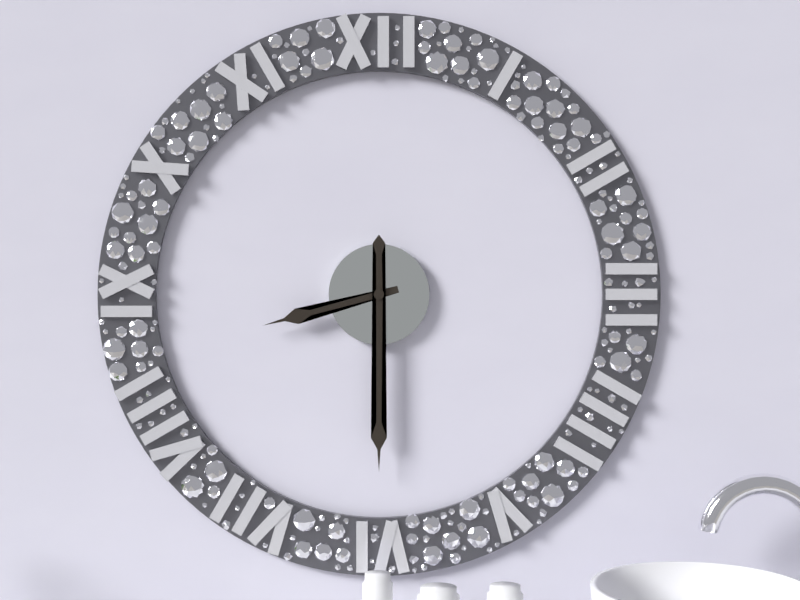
8:30
